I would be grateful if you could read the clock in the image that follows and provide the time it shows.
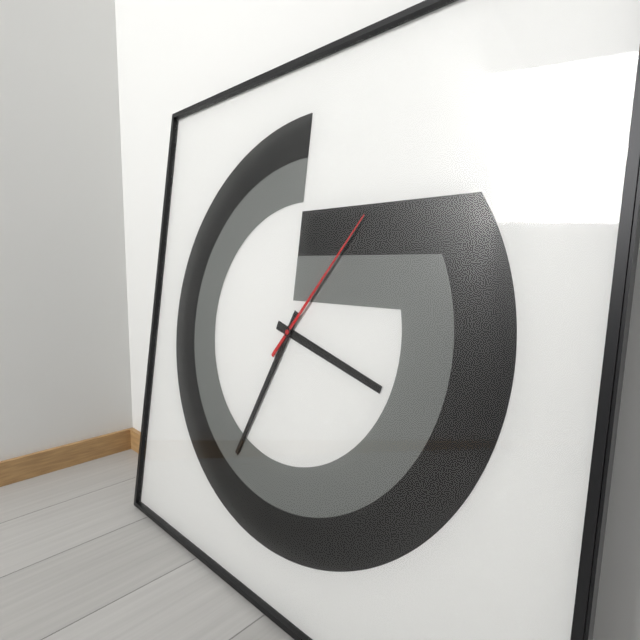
3:34:06
